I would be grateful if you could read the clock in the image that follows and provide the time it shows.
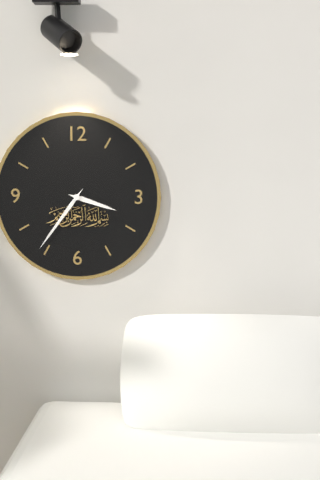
3:36
